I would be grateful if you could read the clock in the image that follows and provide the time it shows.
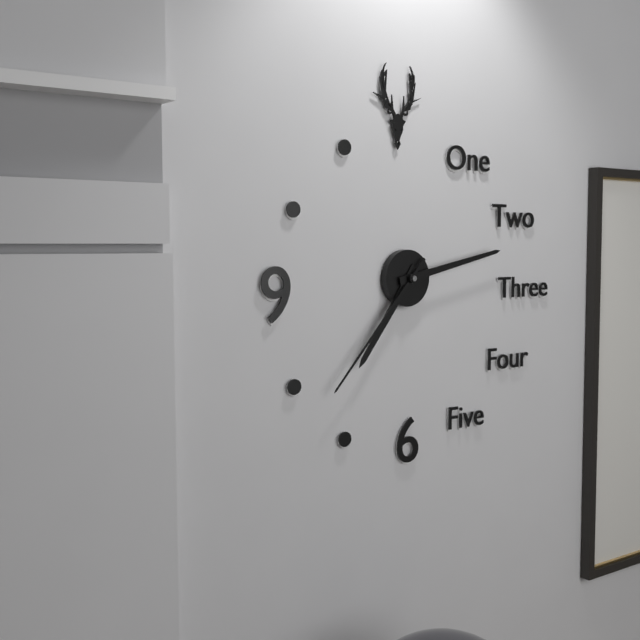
7:13:37
